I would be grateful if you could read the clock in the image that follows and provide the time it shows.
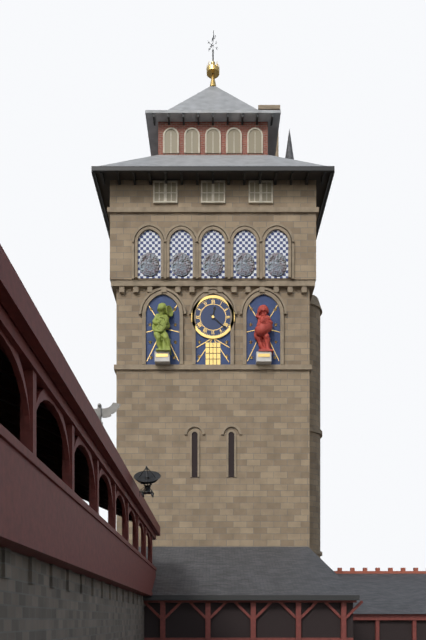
12:22
